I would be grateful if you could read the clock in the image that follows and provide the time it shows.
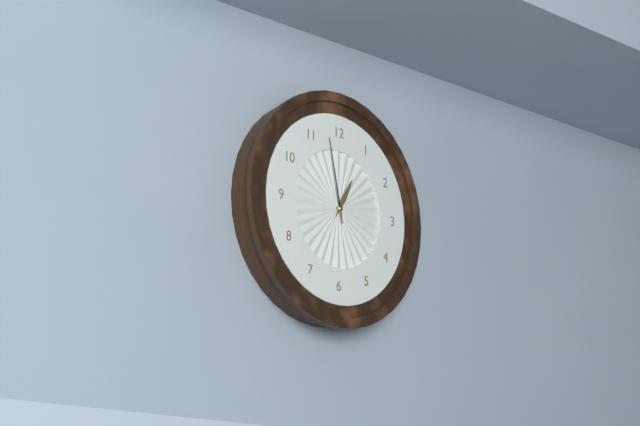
12:58
